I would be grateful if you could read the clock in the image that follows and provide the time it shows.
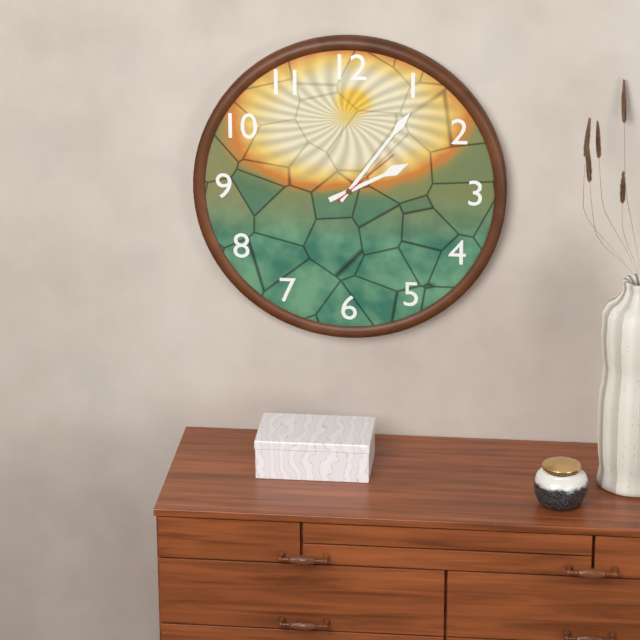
2:06:08
